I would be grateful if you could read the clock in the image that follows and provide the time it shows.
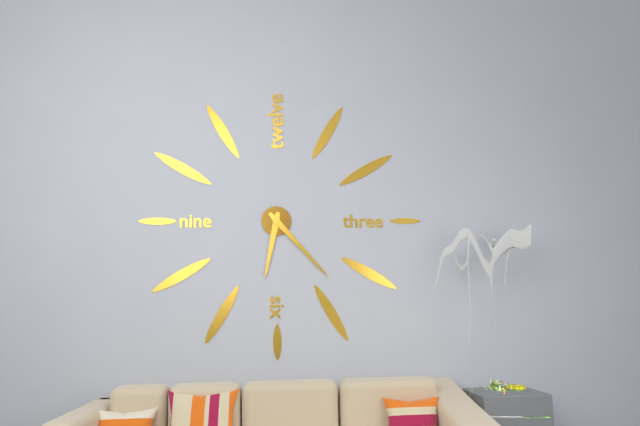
6:23
